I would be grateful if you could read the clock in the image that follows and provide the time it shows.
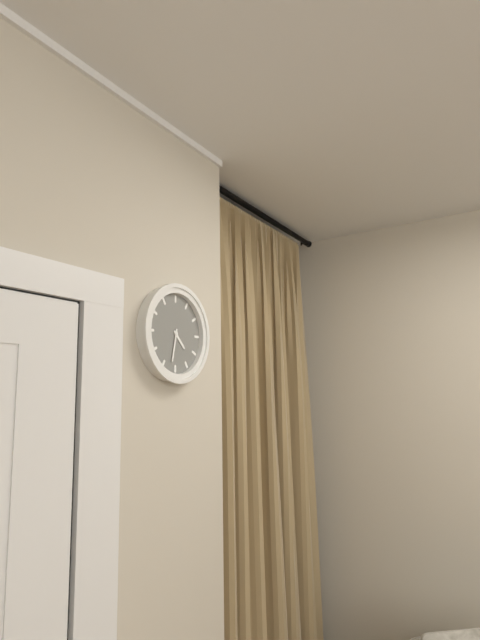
4:32
